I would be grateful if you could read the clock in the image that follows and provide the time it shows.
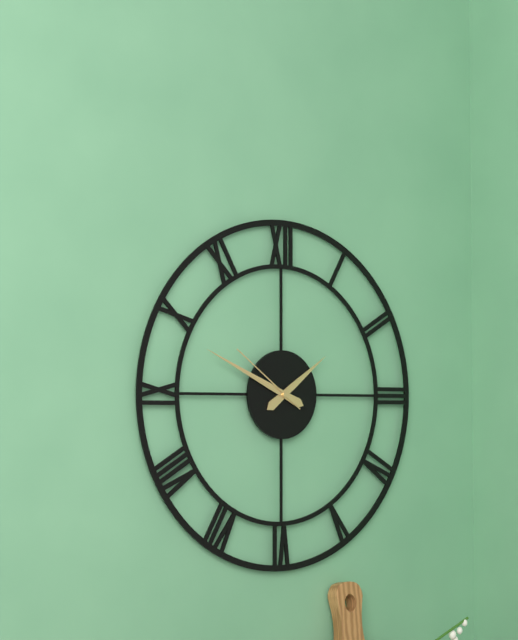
1:49:51
